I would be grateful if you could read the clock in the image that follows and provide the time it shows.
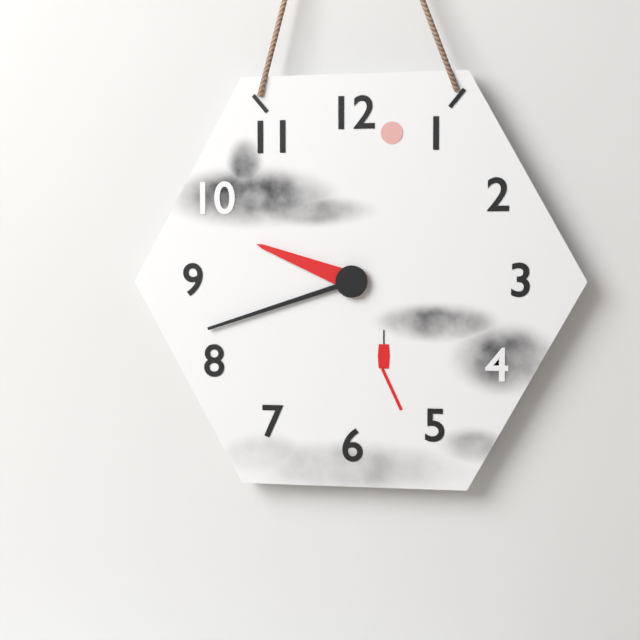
9:42
